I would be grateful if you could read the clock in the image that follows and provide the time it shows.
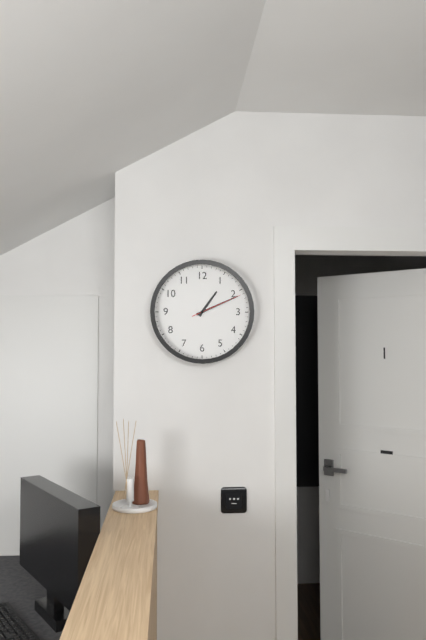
1:11:11
